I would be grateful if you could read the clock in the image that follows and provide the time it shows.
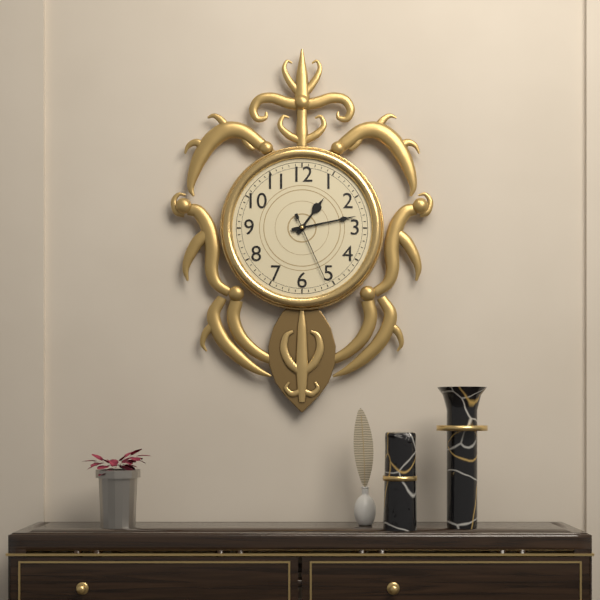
1:13:26
